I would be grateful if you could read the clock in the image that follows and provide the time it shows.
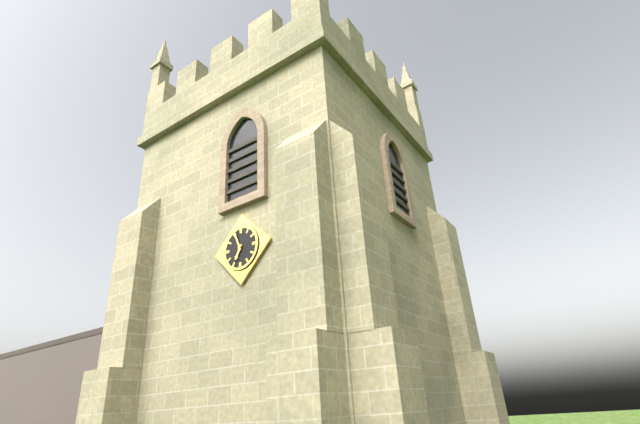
6:56
